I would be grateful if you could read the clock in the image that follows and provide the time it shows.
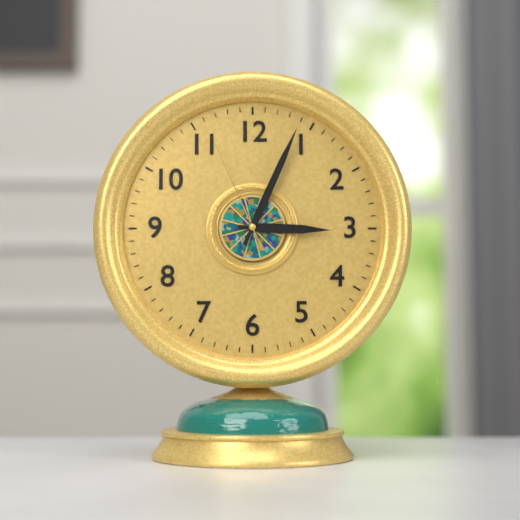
3:04:56
